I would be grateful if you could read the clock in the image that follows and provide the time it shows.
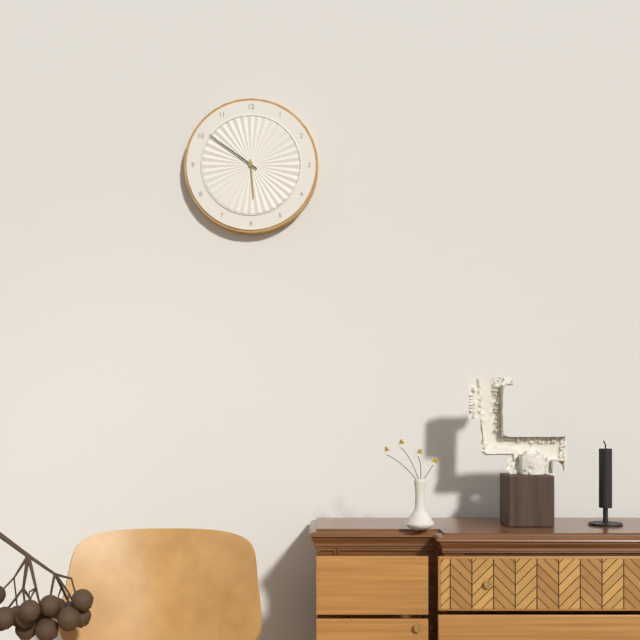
5:51
